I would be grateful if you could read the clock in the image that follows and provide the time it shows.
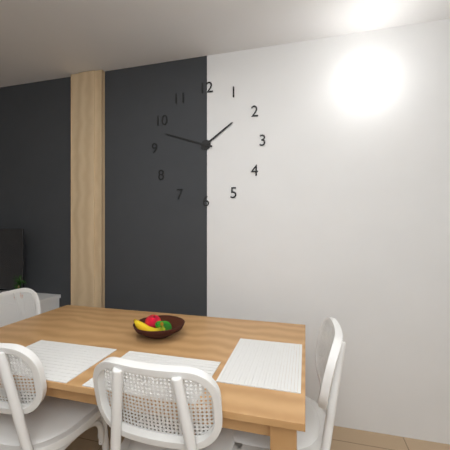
1:48
